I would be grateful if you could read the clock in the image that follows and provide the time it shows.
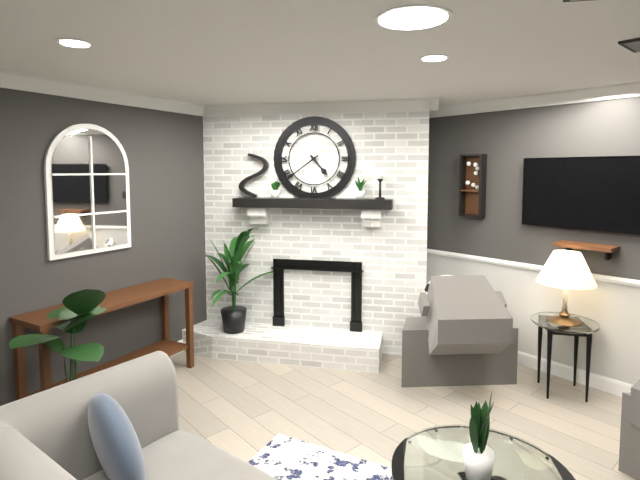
4:39
